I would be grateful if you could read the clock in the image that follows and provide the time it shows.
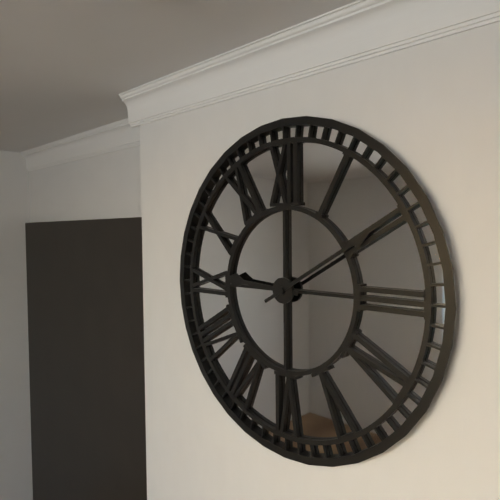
9:10
